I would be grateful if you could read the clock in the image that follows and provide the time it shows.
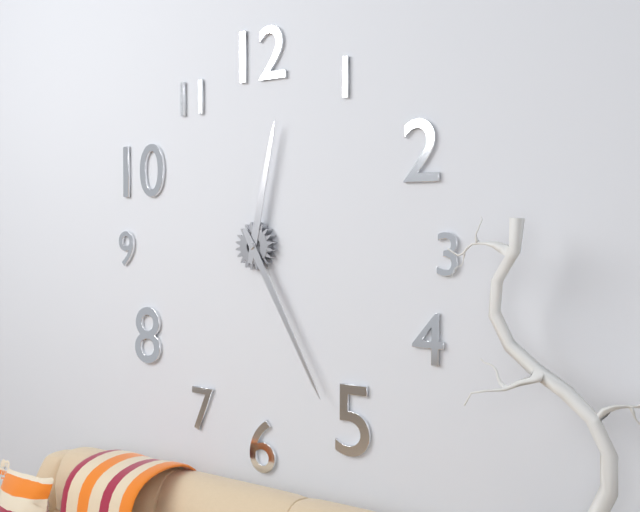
12:25
